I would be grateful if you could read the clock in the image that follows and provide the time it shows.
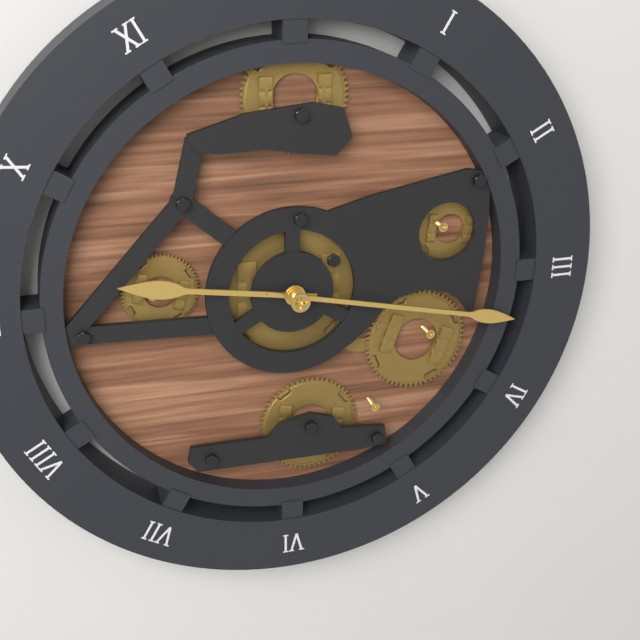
9:17
